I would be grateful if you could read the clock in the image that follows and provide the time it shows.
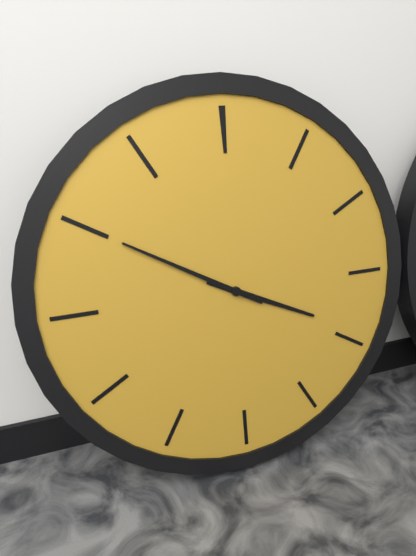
3:50
